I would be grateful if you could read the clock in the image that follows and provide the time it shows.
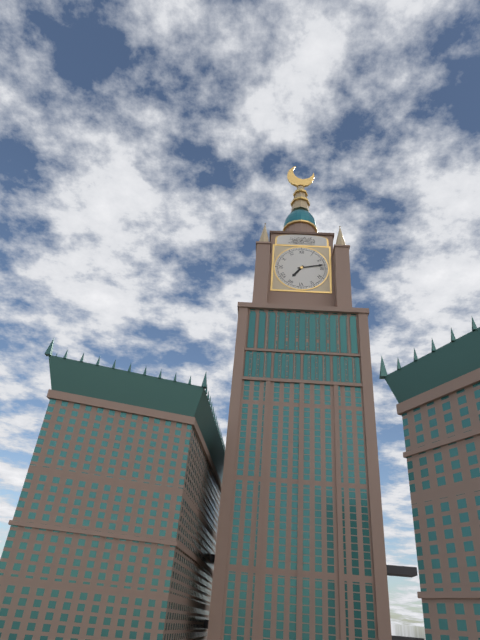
7:13
